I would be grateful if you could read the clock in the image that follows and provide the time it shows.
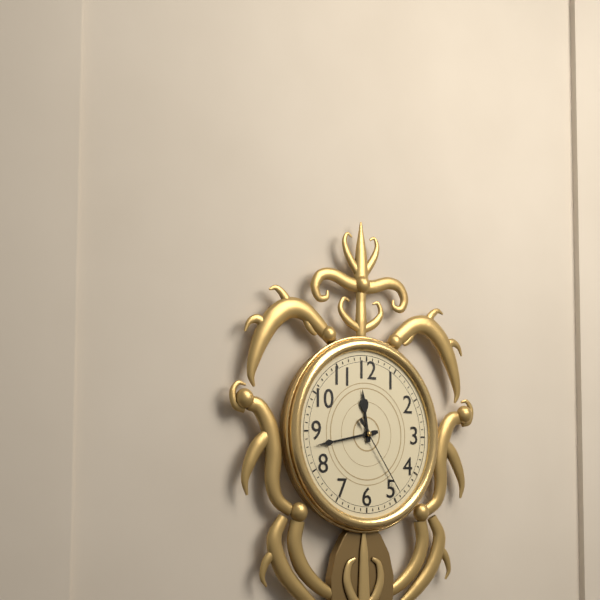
11:43:24
